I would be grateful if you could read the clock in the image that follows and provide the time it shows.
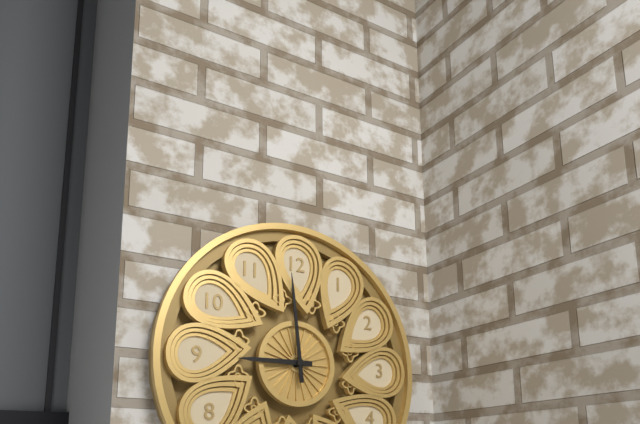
8:59
